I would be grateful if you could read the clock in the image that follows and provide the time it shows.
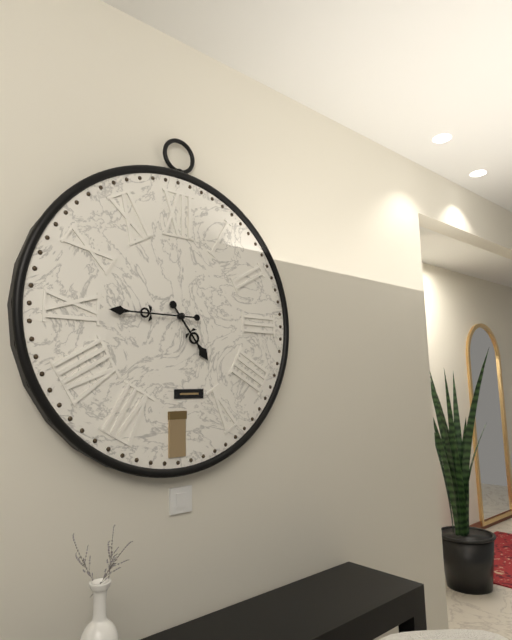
4:45
